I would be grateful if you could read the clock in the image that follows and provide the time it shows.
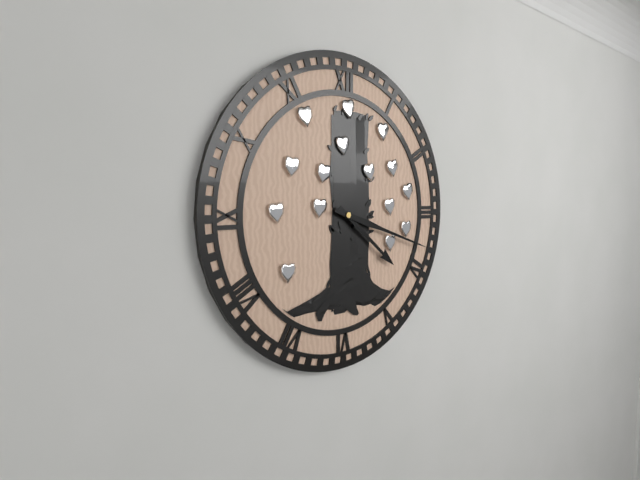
4:18
